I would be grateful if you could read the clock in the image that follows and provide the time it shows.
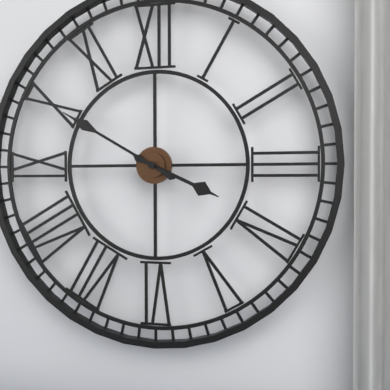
3:50
